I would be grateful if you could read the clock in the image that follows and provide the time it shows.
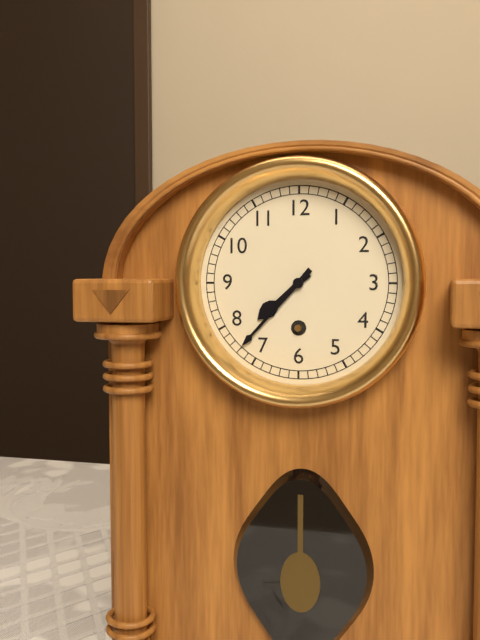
7:37
